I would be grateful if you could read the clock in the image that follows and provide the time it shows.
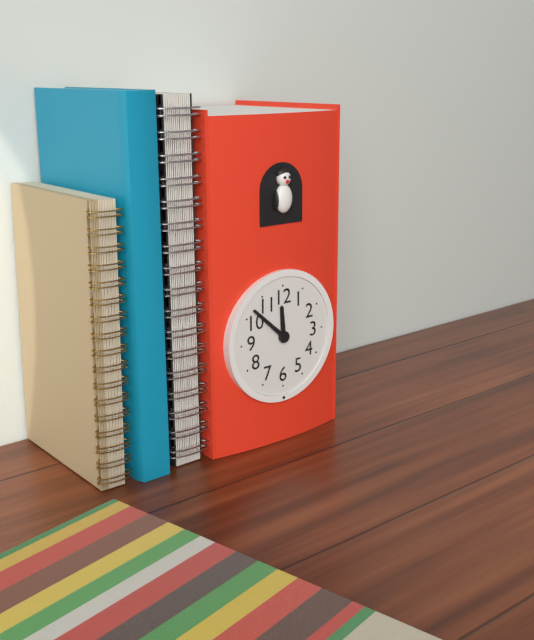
11:52
